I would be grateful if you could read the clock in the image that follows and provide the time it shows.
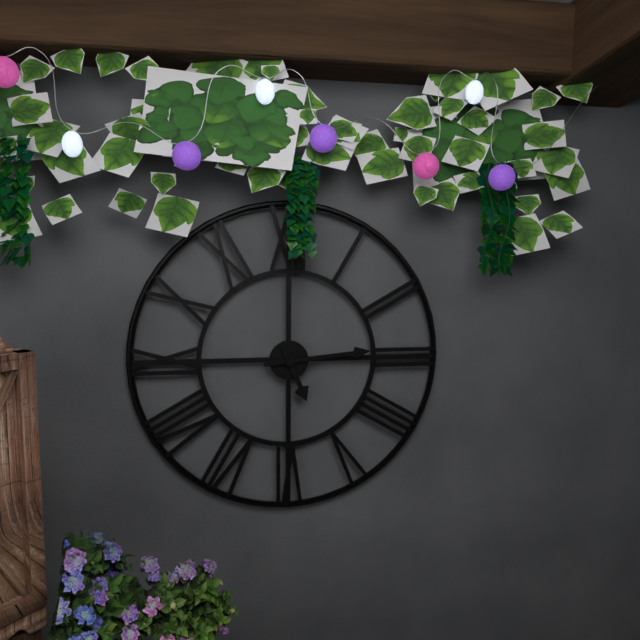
5:14
